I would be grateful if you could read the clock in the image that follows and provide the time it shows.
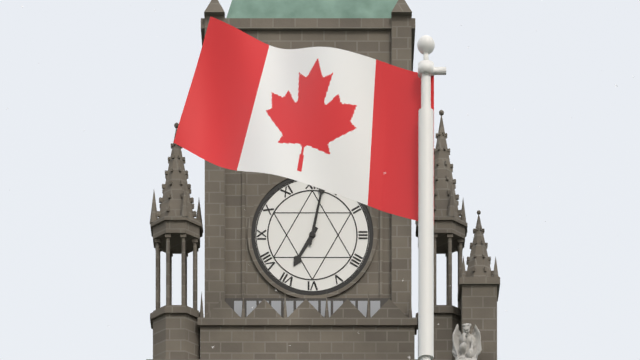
7:02
